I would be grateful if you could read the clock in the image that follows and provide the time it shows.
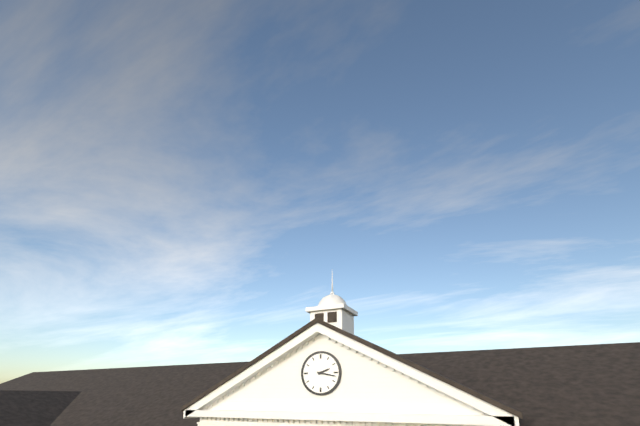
2:17
